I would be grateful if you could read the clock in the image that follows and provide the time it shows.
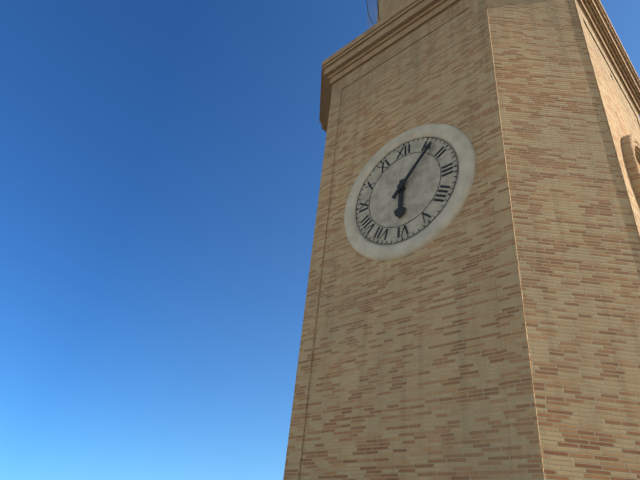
6:07
